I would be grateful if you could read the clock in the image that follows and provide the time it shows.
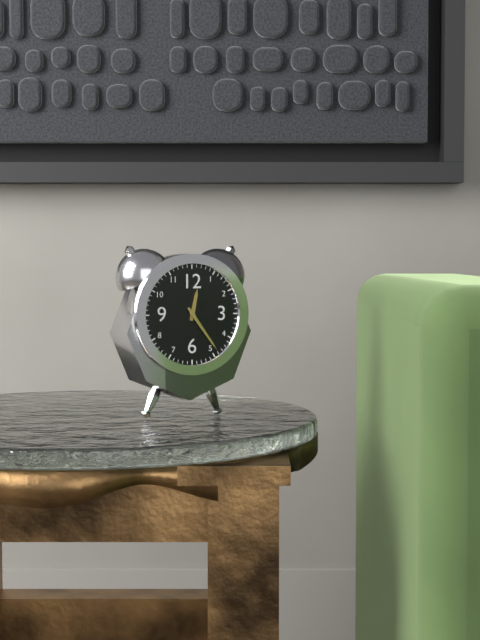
12:24
